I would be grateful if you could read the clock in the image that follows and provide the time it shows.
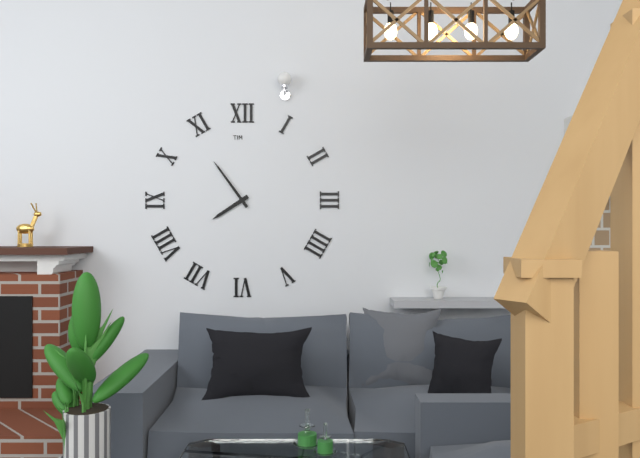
7:54
